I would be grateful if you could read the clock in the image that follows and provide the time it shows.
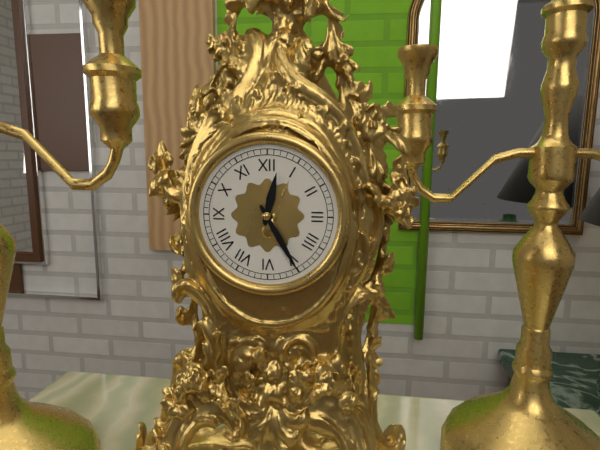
12:25
